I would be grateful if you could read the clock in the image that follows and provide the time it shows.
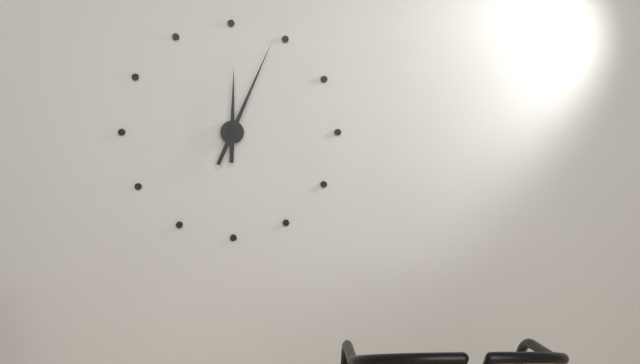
12:04
